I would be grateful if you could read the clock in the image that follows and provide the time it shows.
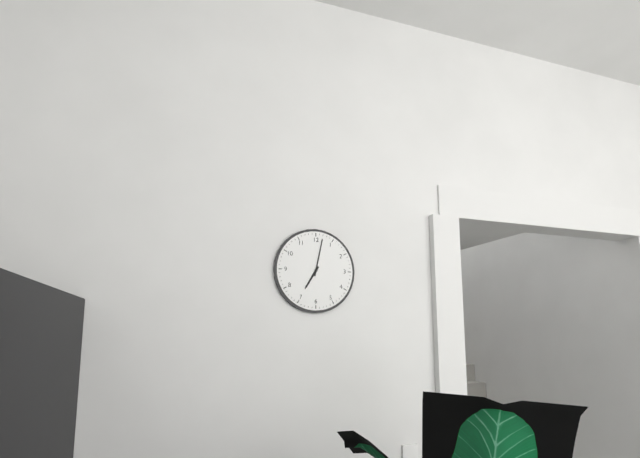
7:02
